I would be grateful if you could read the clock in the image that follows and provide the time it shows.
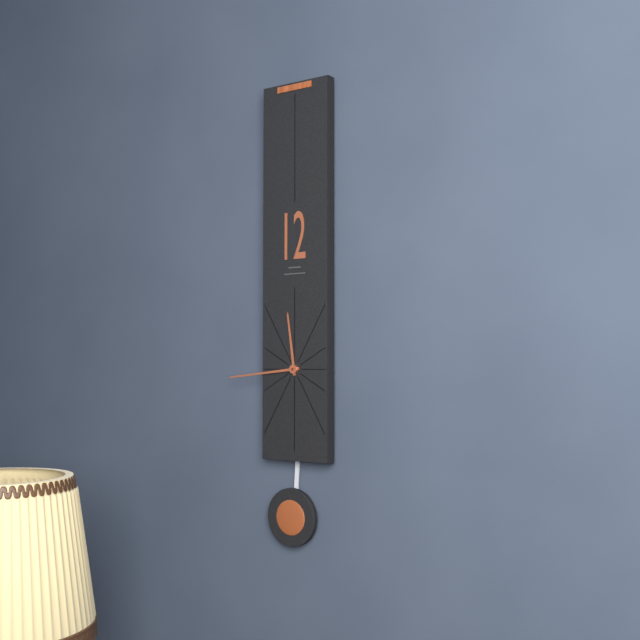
11:44
